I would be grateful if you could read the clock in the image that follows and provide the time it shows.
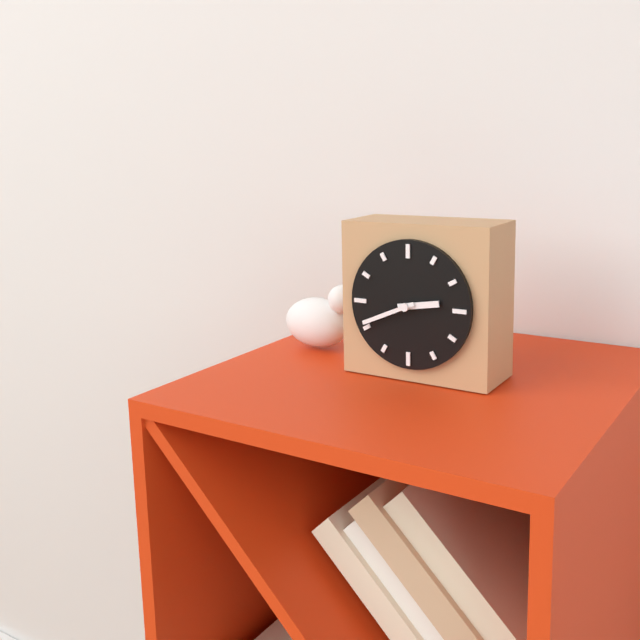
2:41
